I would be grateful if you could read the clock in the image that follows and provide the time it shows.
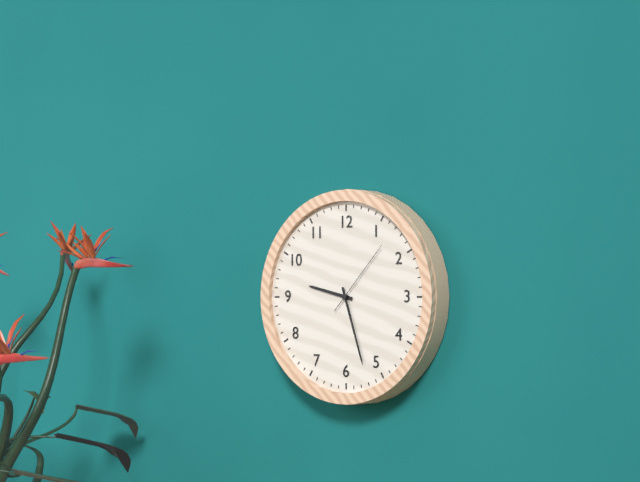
9:27:07
